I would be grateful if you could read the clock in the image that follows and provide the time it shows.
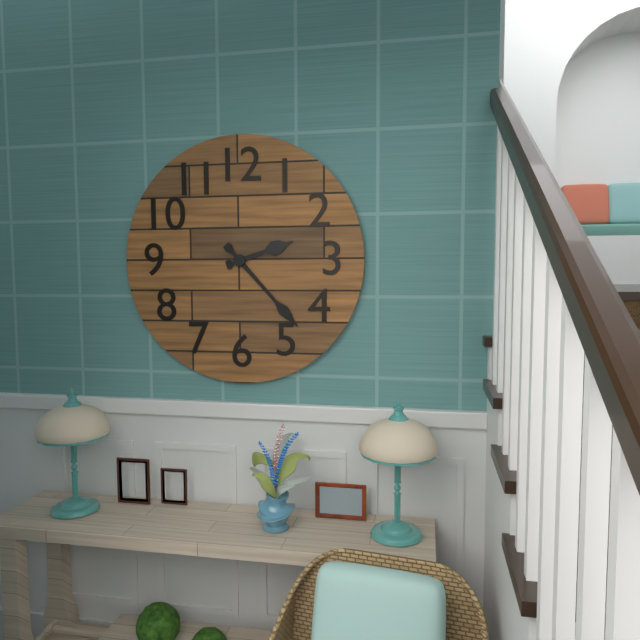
2:23
